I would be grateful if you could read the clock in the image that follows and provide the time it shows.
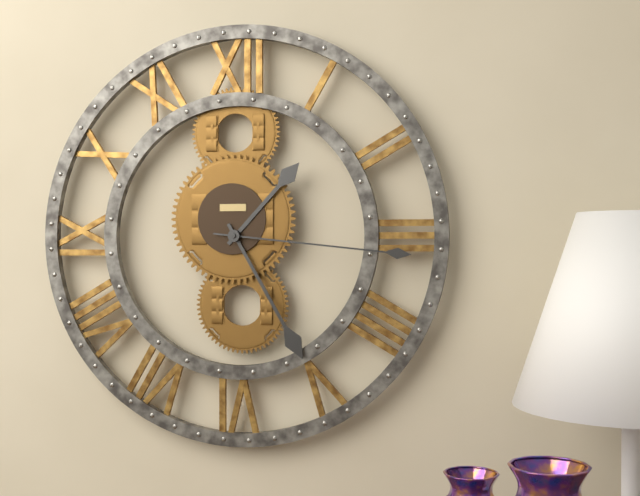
1:25:16
